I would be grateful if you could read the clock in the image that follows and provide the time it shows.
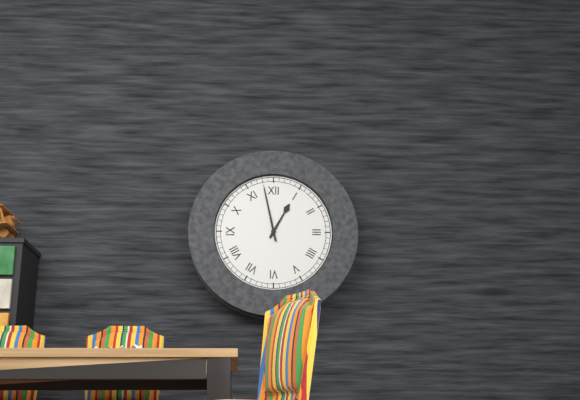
12:58
